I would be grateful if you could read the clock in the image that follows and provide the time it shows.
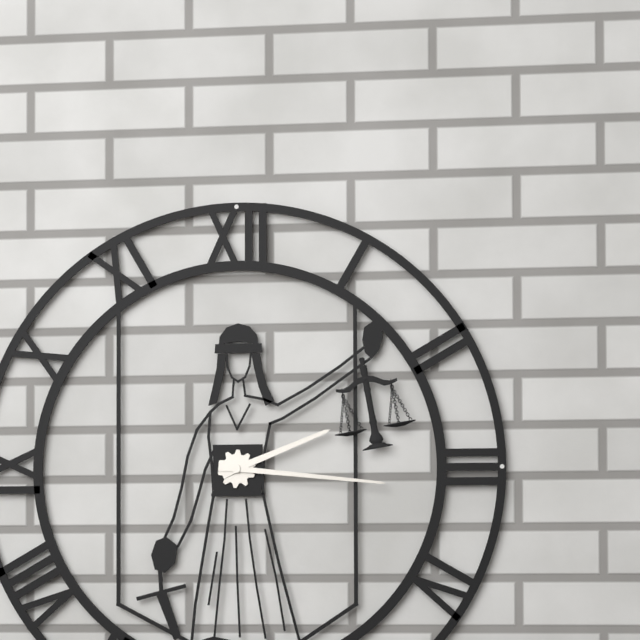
2:16
